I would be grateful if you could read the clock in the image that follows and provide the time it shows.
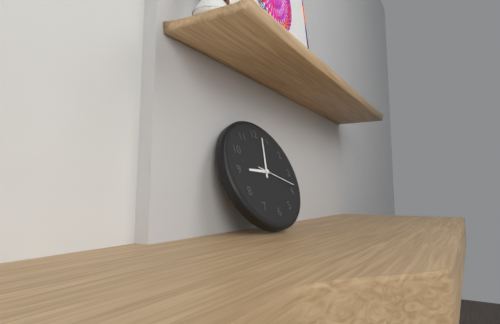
9:03
